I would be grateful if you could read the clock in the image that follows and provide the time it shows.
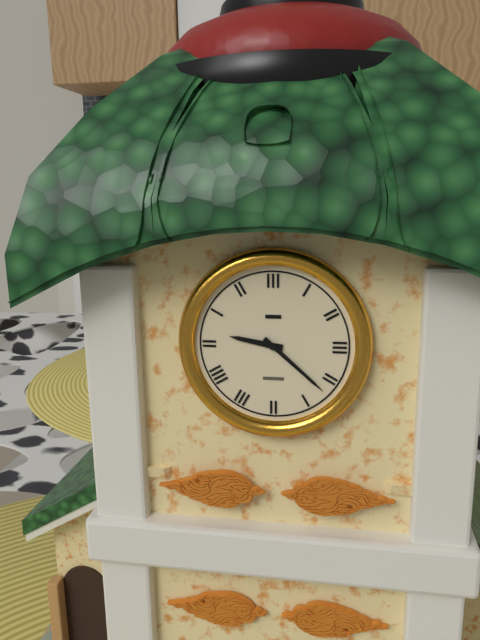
9:22
